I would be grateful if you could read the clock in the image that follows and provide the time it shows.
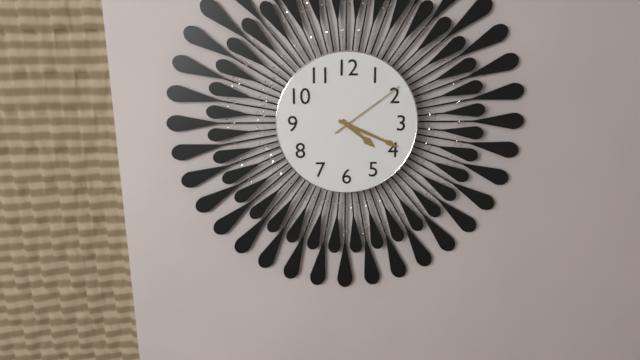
4:19:09
